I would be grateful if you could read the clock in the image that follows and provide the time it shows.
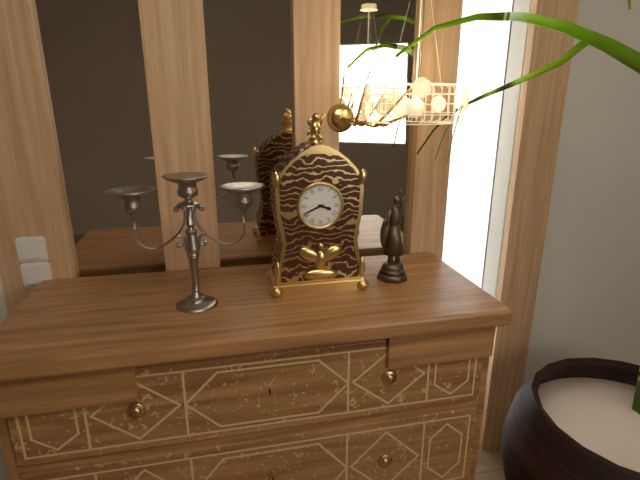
3:41
